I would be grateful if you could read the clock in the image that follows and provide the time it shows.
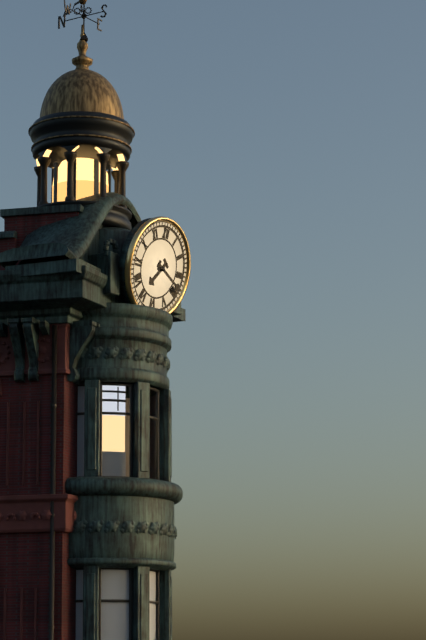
7:19
